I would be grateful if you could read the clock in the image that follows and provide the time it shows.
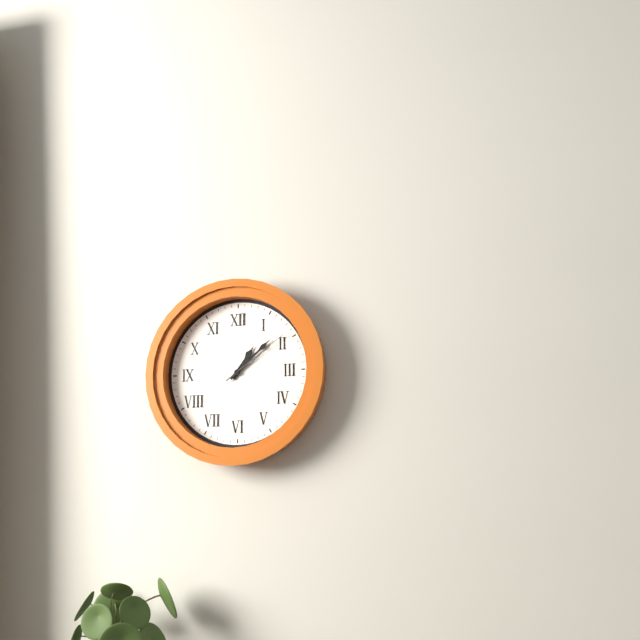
1:08:09
